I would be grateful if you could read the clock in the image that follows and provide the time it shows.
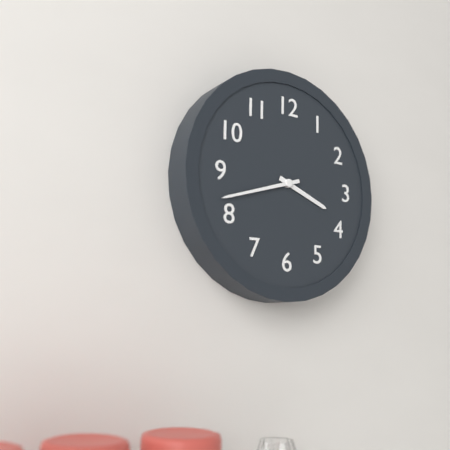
3:42
